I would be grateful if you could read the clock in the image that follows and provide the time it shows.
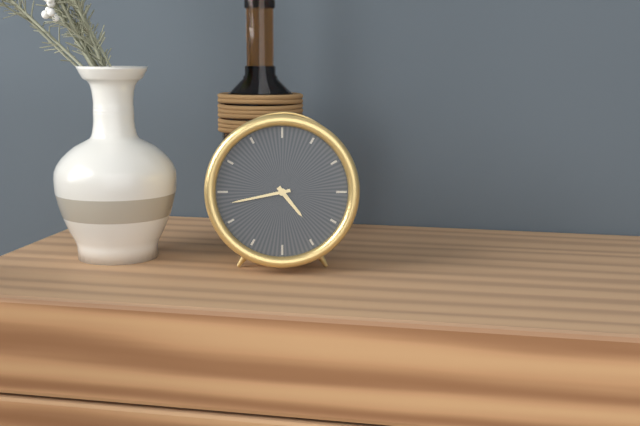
4:43
